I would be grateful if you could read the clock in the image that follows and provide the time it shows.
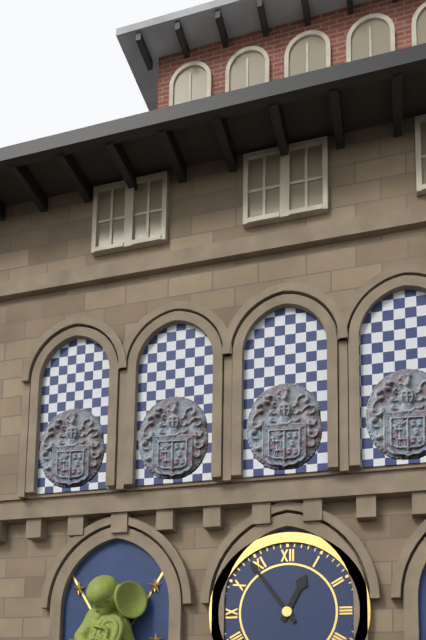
12:54
